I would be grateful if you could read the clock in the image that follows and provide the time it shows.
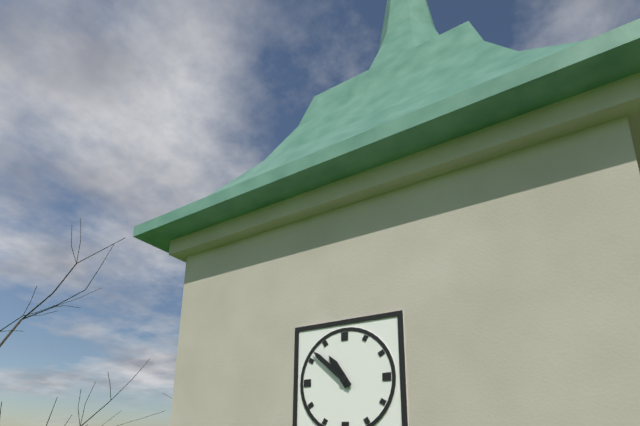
10:52
